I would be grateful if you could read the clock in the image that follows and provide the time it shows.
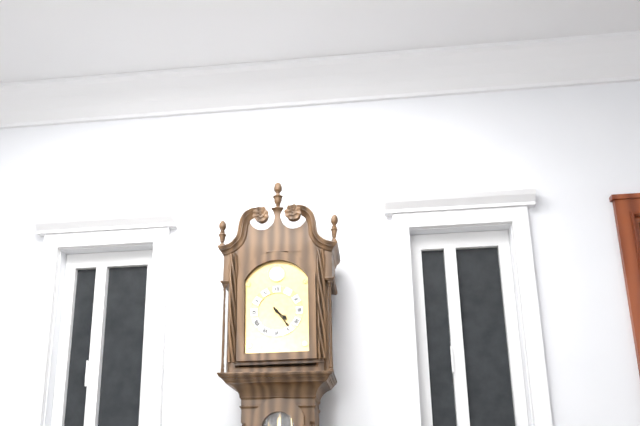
4:24
